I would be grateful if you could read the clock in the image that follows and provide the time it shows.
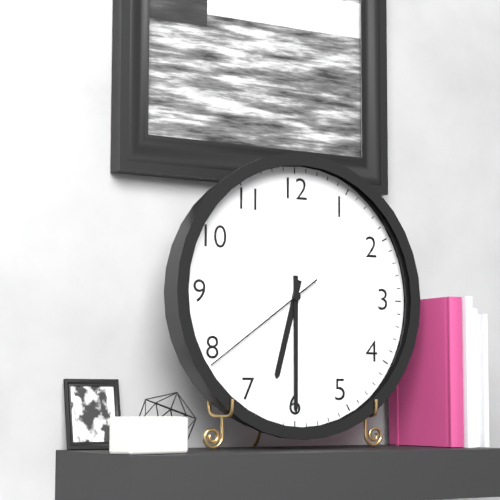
6:30:39
